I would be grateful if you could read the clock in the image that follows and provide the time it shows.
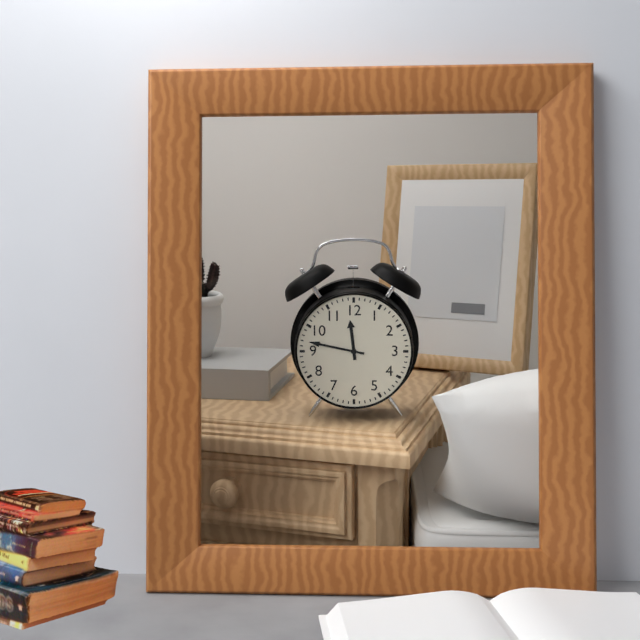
11:47
